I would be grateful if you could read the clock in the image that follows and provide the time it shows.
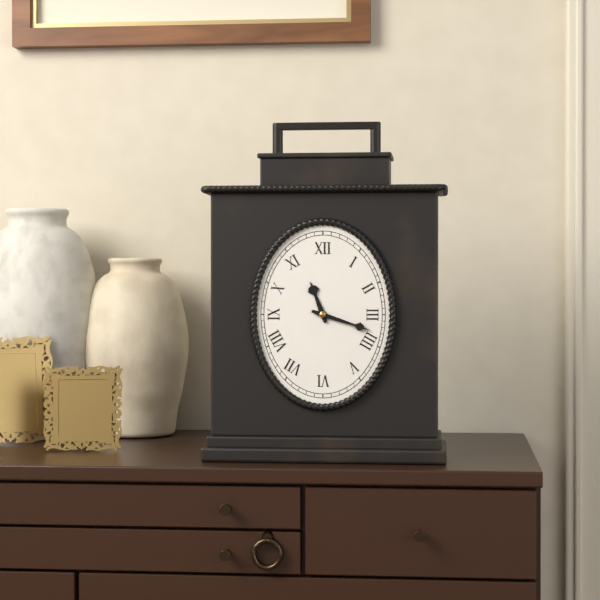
11:18
